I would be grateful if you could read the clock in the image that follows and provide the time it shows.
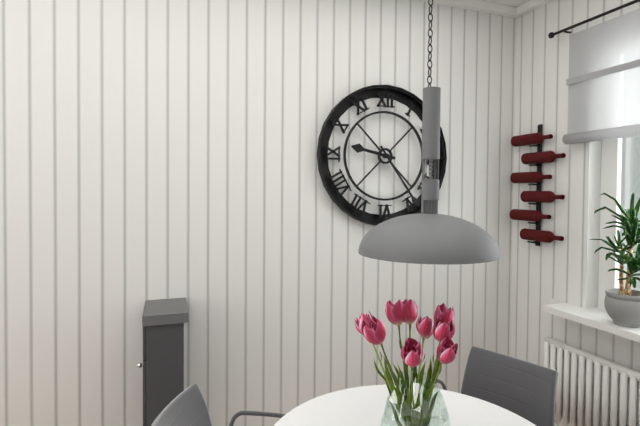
9:24
